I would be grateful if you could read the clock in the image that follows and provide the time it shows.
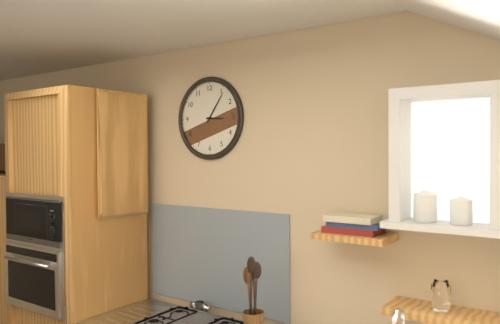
3:06
